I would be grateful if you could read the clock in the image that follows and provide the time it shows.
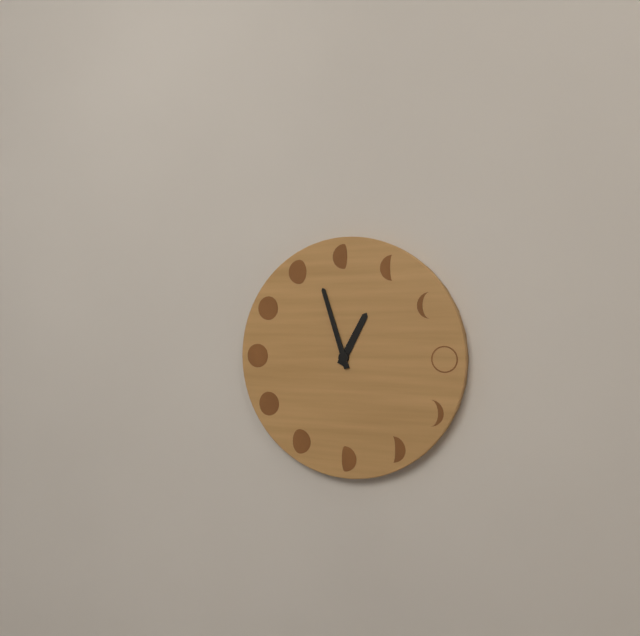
12:57
